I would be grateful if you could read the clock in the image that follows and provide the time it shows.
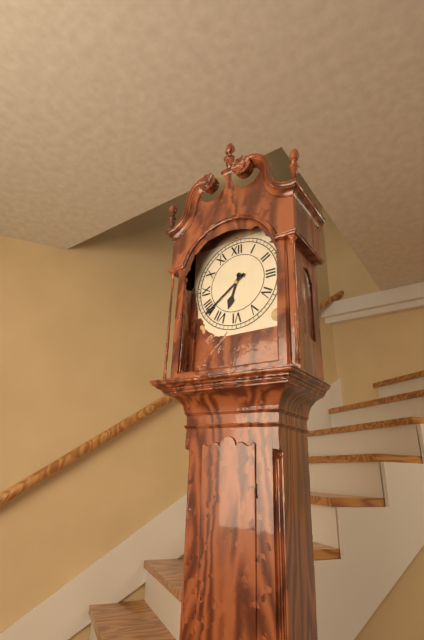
6:39
